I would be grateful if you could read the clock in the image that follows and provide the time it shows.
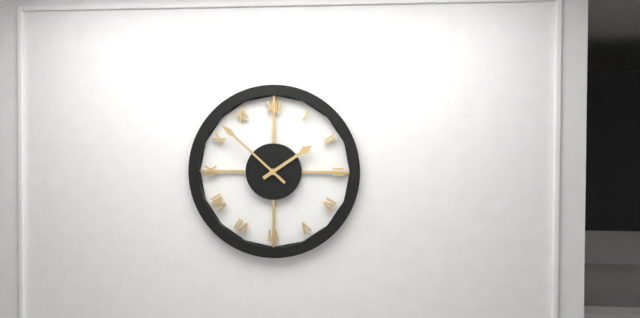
1:52
